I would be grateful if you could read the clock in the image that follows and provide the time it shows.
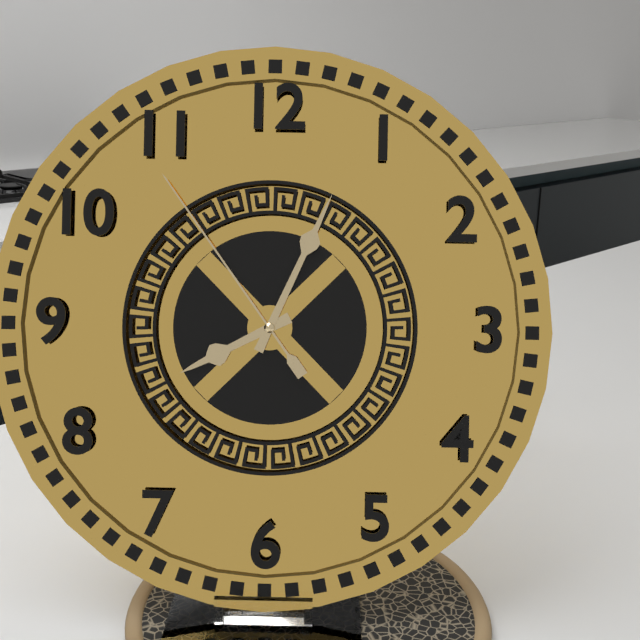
8:04:54
